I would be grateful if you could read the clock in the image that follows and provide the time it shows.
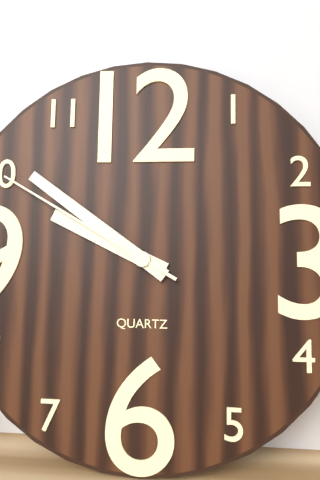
9:51:50
